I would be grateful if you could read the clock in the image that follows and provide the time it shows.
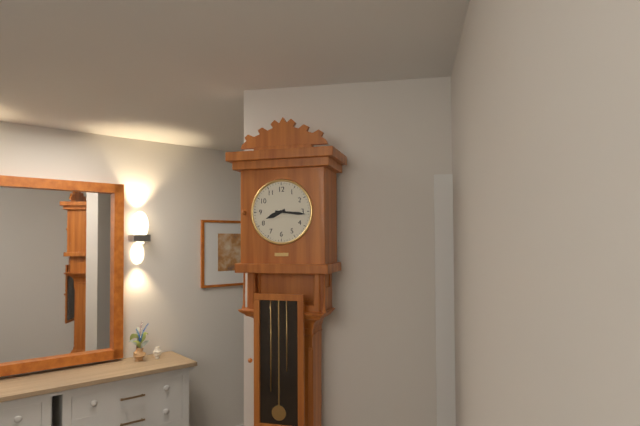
8:16
